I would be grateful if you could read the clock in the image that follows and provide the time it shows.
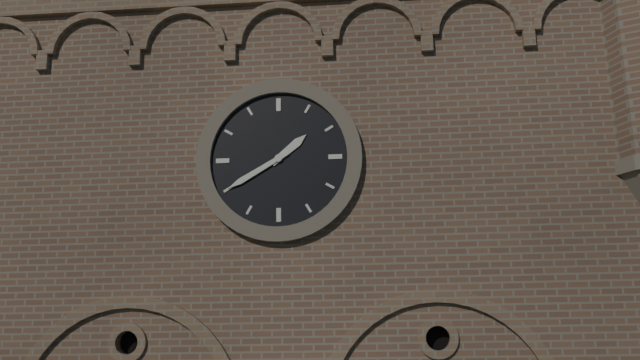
1:40
